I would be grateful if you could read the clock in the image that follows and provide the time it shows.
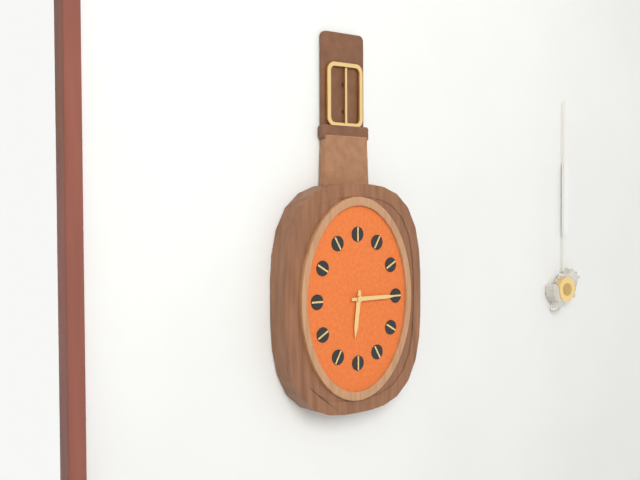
6:15
